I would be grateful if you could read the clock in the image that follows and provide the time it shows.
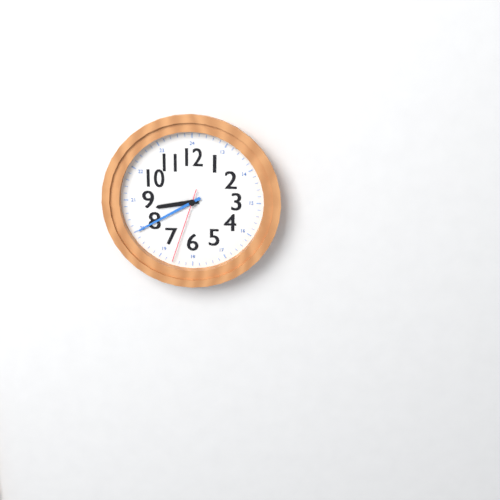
8:40:33
